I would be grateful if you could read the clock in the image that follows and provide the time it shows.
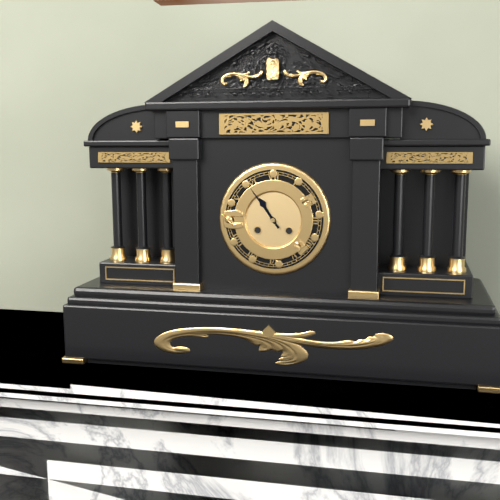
10:54
